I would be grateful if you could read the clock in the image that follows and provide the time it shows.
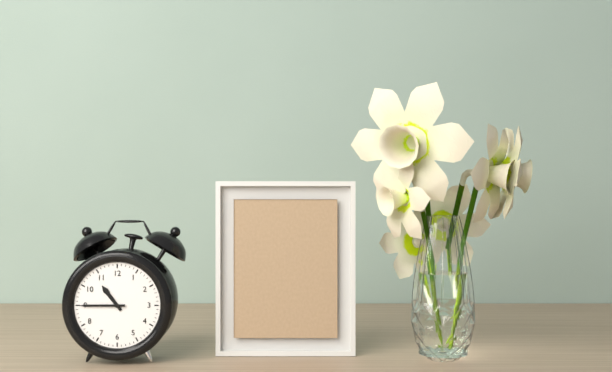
10:45
